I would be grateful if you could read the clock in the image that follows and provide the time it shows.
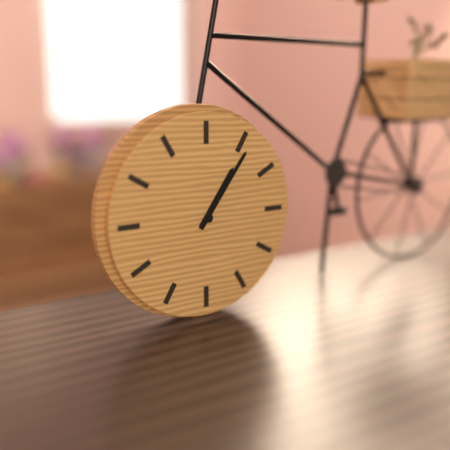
1:06
